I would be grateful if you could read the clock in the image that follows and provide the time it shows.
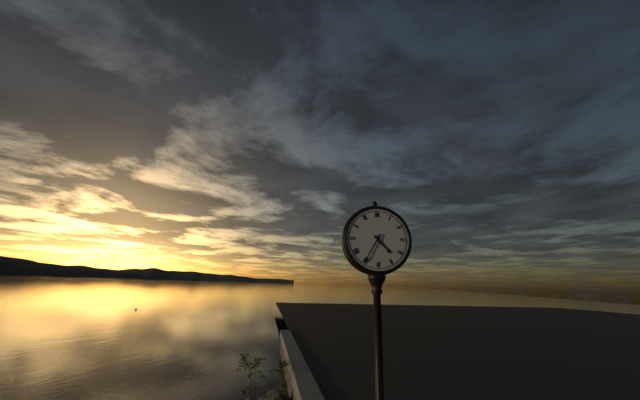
4:35
